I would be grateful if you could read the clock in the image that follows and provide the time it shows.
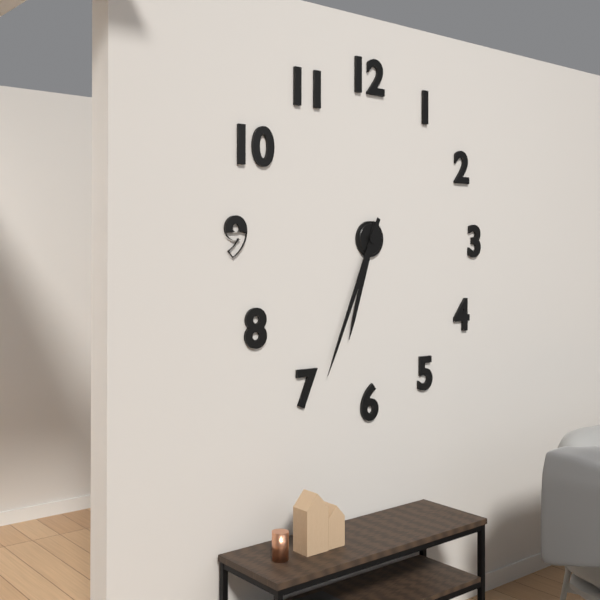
6:34
